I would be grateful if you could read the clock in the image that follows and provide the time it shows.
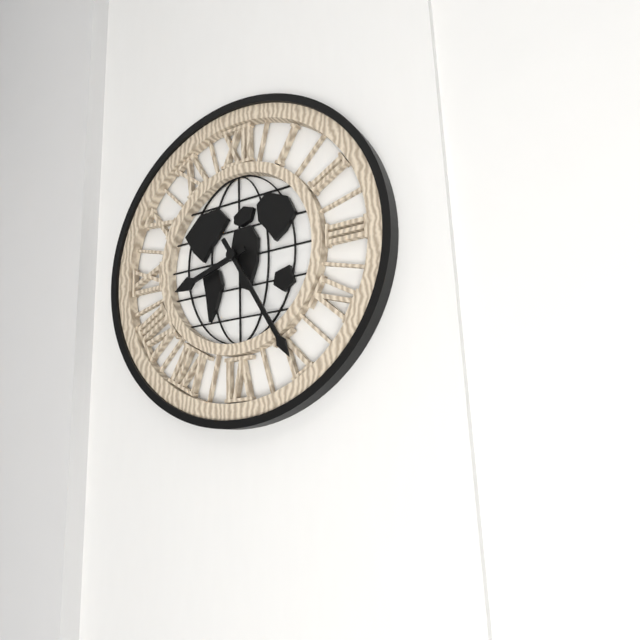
8:25
